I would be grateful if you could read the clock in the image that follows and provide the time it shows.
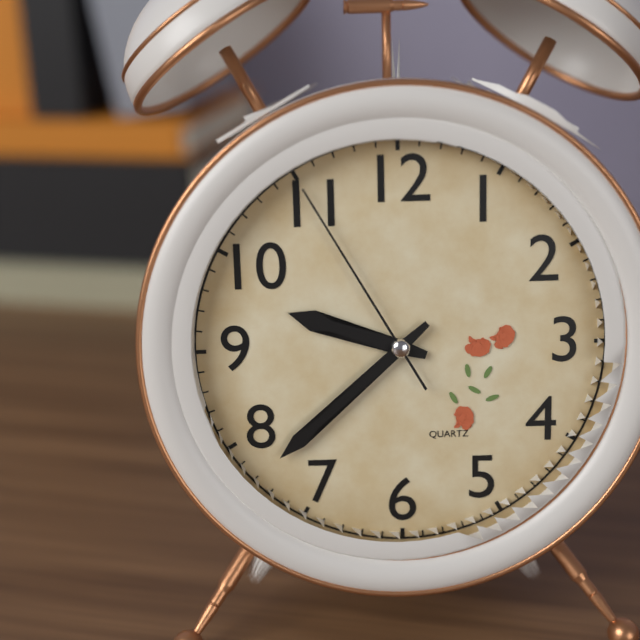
9:38:55
